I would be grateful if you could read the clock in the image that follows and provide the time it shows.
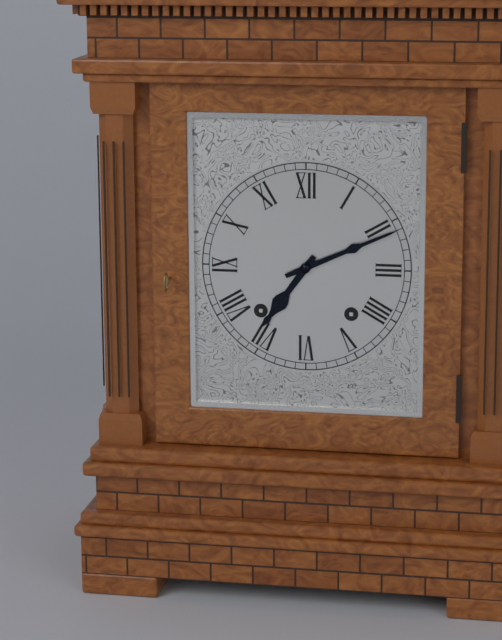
7:11
